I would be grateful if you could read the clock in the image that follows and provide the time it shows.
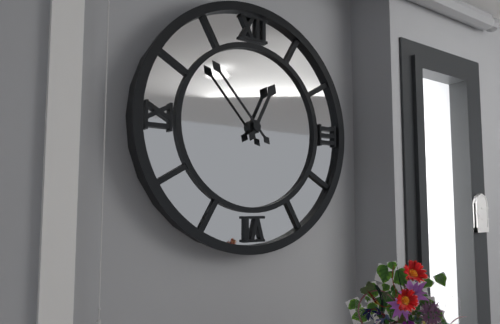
12:53
